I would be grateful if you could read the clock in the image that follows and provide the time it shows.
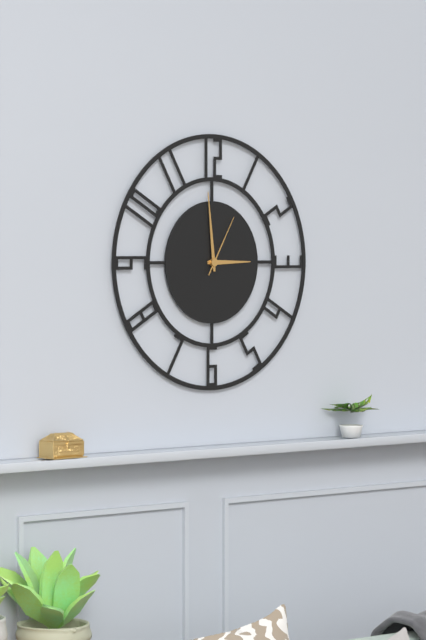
2:59:05
